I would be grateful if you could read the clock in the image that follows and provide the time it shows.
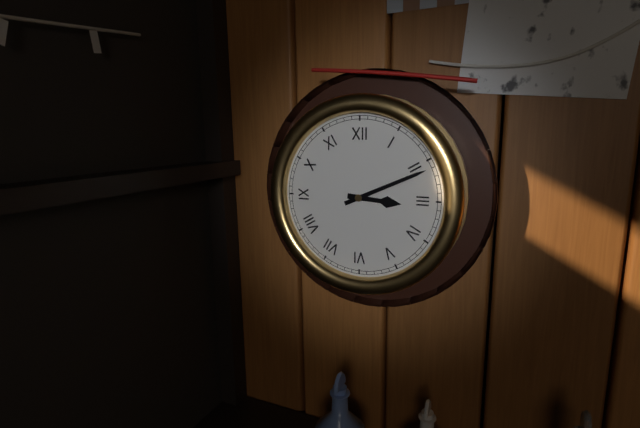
3:11
